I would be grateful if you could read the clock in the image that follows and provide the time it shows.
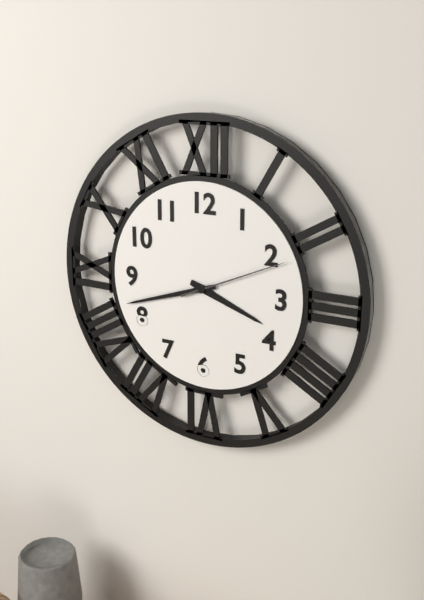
3:42:11
